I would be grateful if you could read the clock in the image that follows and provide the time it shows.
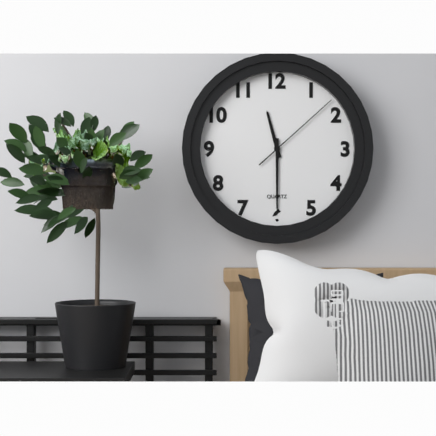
11:30:08
